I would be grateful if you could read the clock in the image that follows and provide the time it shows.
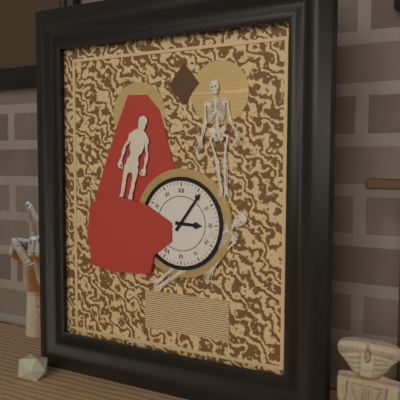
3:06
